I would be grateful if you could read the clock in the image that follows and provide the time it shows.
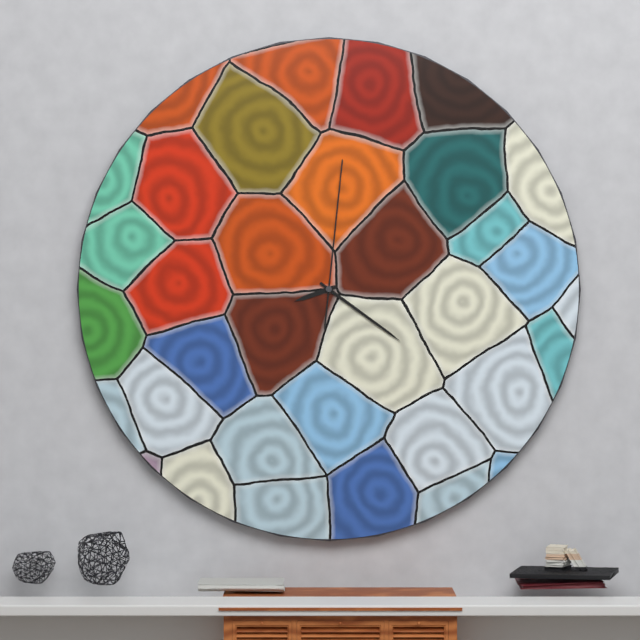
8:21:01
